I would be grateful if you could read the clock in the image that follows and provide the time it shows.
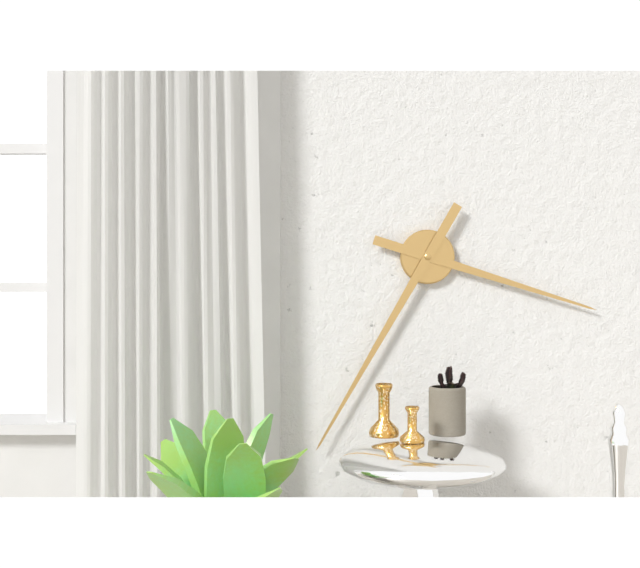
3:35
